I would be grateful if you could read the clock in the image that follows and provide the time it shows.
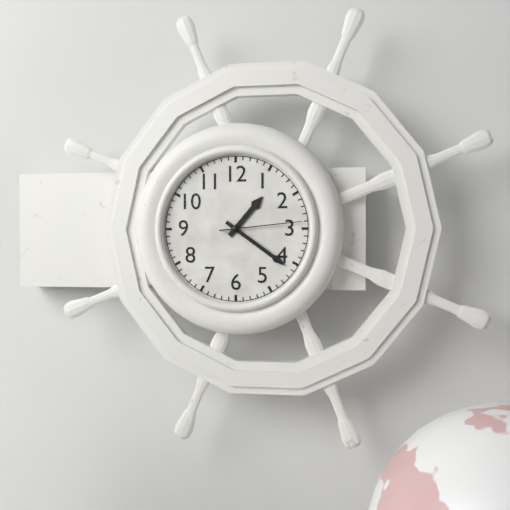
1:21:14
